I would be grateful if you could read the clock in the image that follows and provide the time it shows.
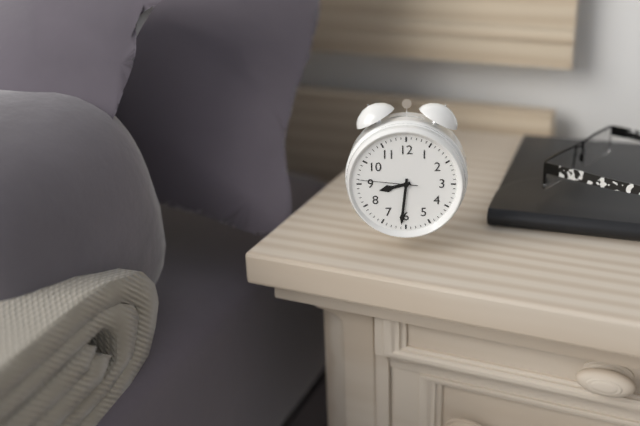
8:31:46
